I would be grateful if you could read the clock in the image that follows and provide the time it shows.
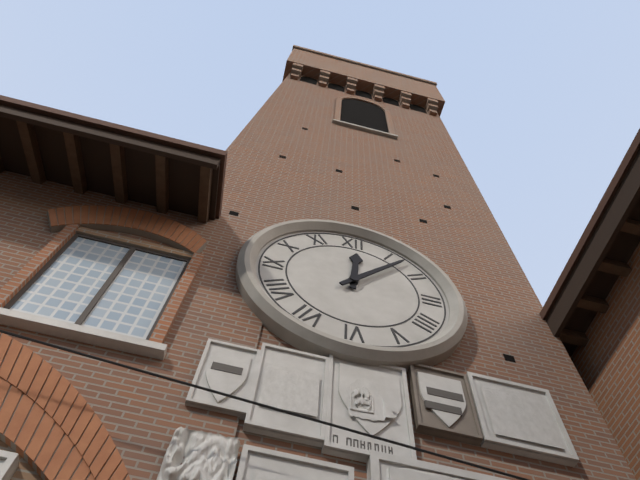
12:07
